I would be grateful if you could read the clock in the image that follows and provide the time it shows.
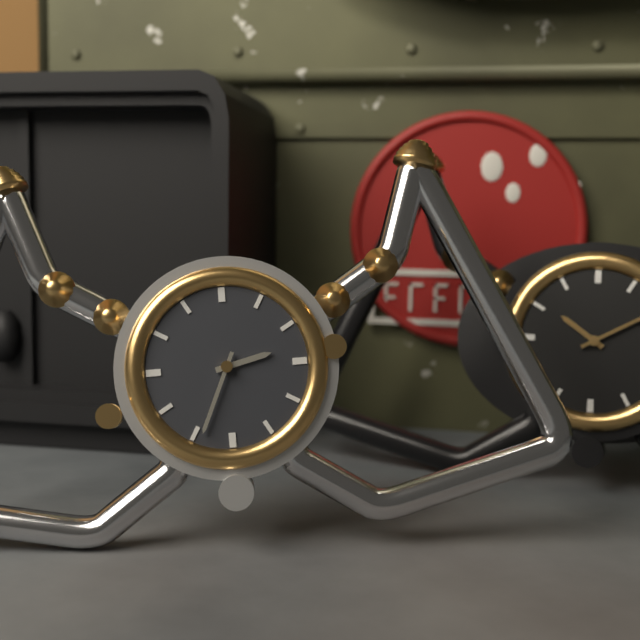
2:34
